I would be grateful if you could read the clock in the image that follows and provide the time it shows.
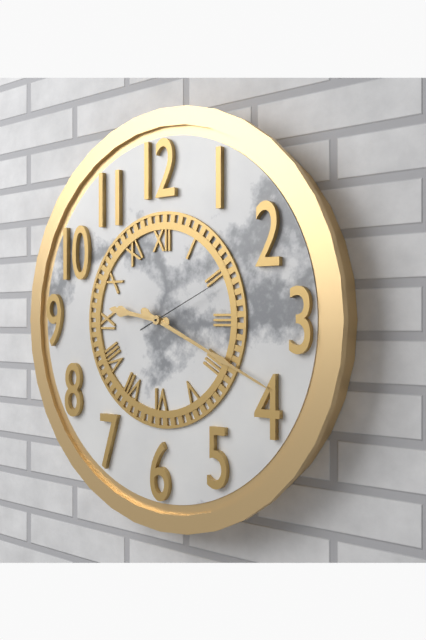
9:19:11
